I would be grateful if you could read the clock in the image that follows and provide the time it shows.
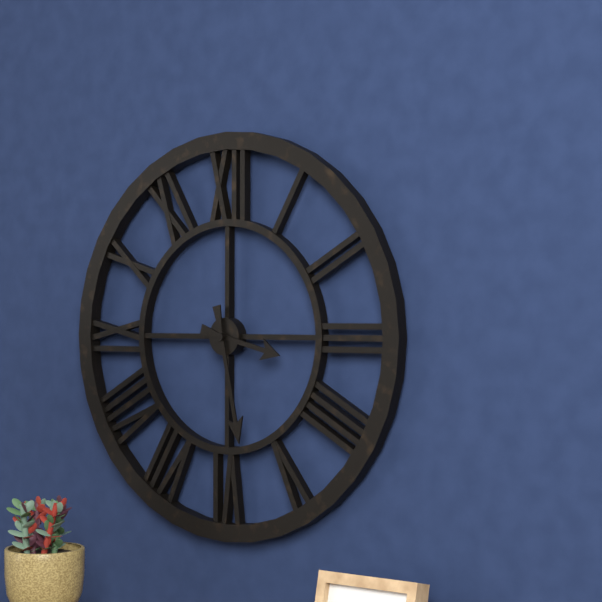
3:28
